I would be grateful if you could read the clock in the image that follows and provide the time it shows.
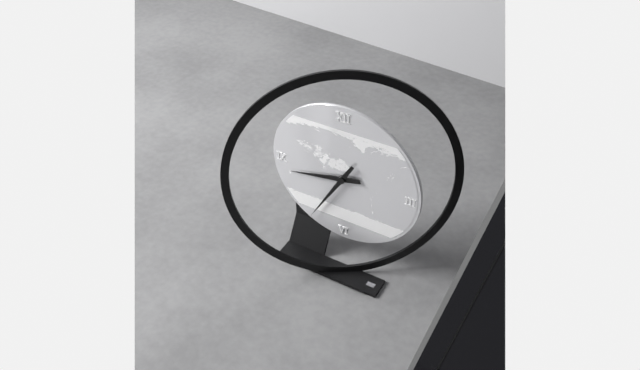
8:35
